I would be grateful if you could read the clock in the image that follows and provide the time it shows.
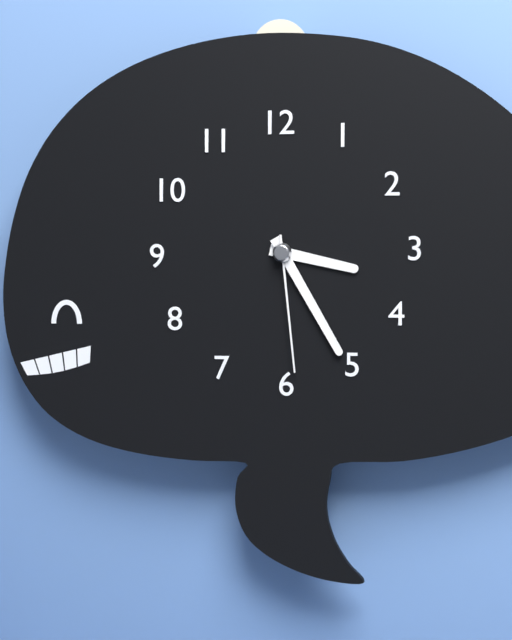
3:25:29
